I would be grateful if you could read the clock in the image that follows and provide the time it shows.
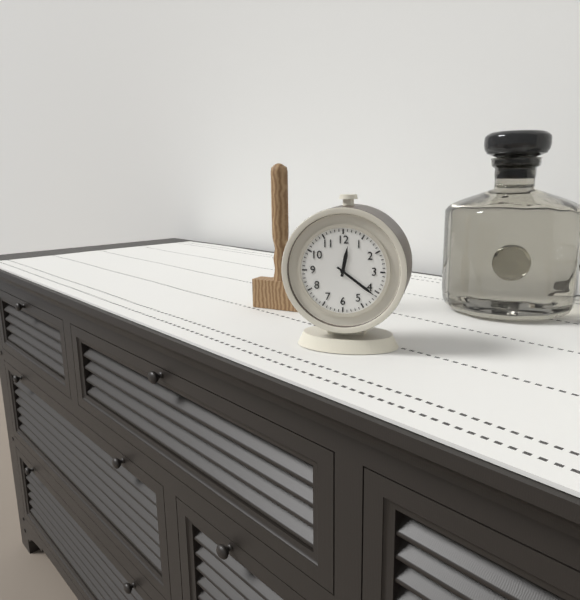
12:21
